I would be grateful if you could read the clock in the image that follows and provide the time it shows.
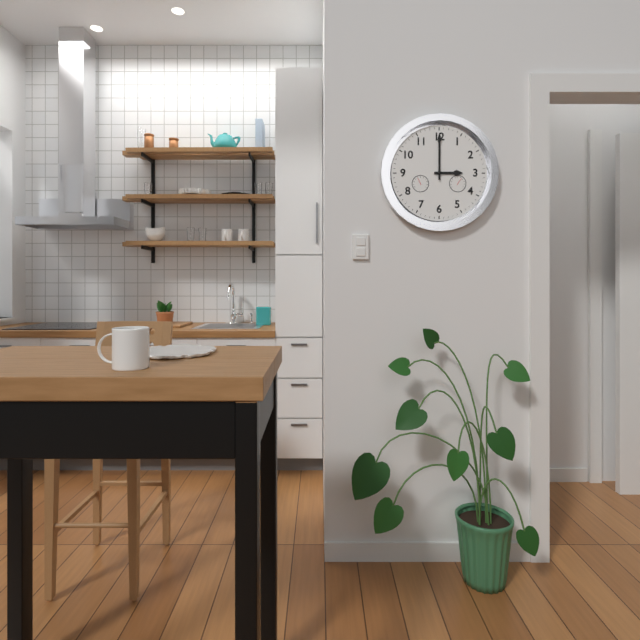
3:00
